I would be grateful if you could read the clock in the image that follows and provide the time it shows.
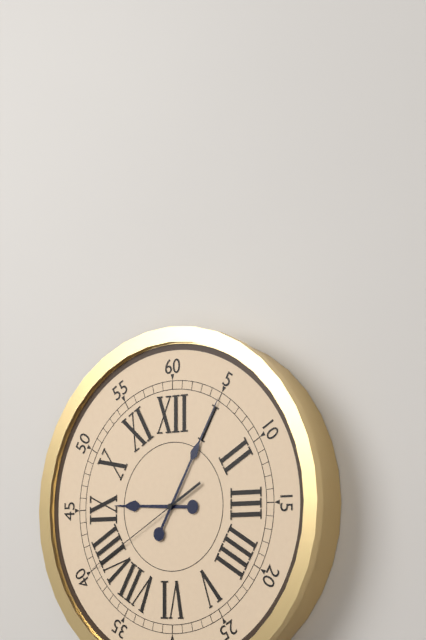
9:05:40
